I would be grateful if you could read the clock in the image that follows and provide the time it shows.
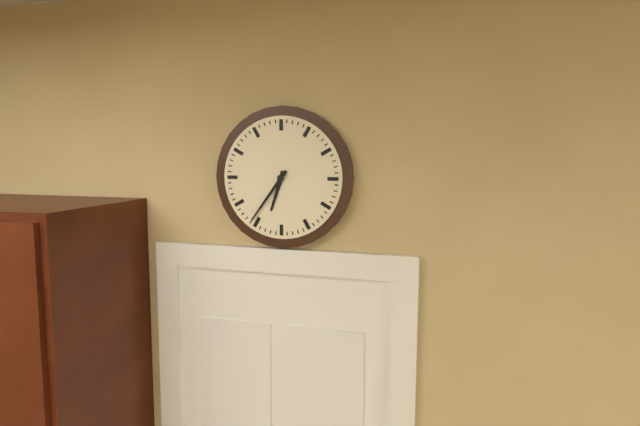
6:36
